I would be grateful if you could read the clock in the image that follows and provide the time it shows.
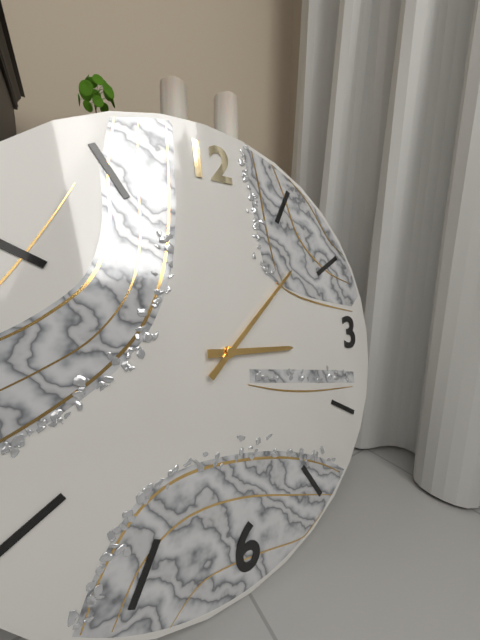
3:08
